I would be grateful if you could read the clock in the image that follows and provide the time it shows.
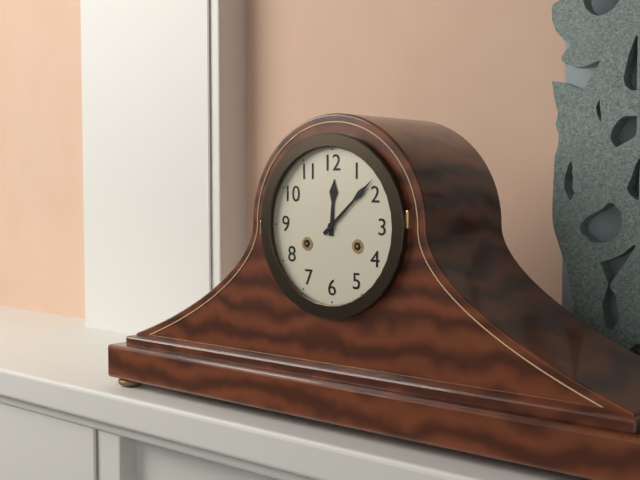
12:08
